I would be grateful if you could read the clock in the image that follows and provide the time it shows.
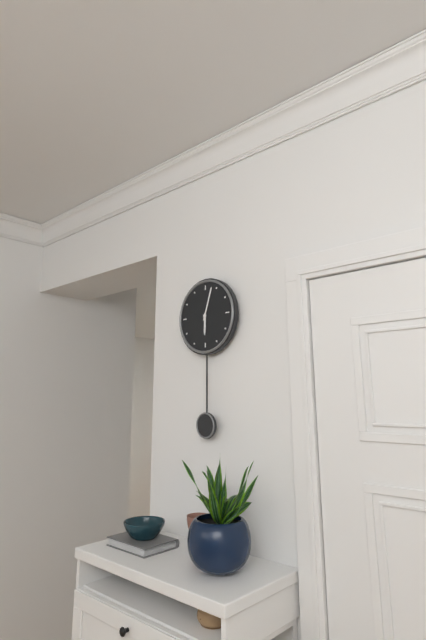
6:03
